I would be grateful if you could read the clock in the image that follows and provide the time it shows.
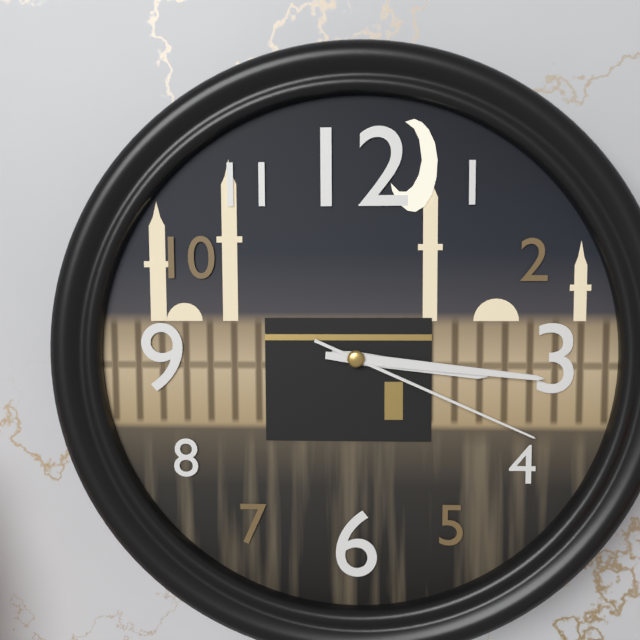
3:16:19
